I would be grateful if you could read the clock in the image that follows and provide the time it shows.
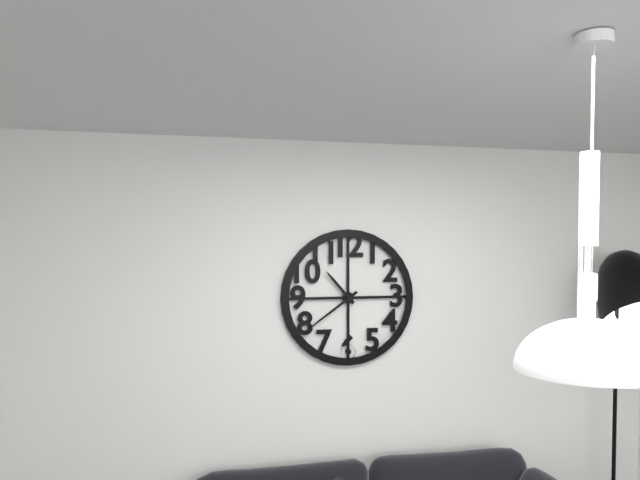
10:39
